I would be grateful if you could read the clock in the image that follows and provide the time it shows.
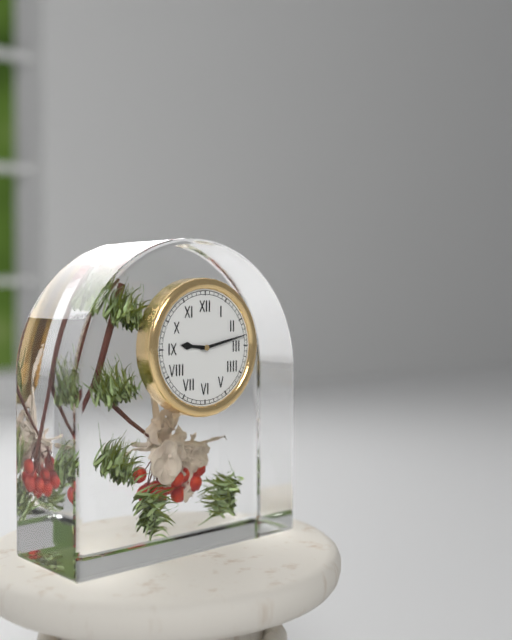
9:13
